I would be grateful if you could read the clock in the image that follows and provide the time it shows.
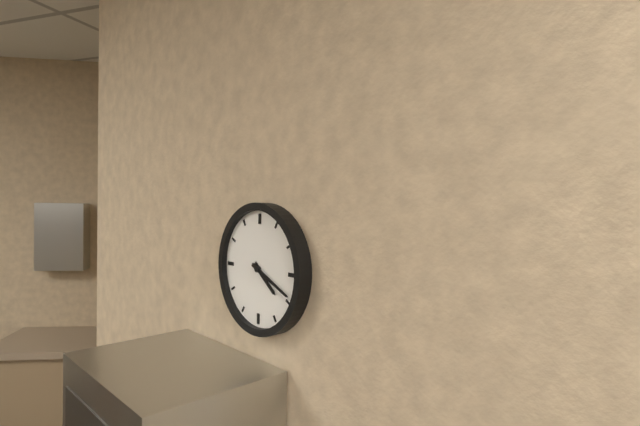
4:19
